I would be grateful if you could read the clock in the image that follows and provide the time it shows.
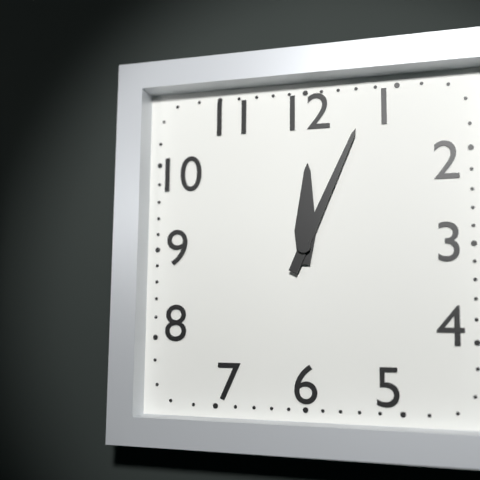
12:04
